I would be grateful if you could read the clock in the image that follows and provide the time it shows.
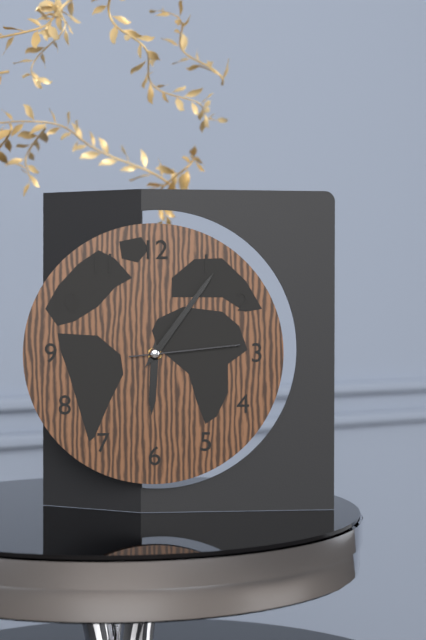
6:06:14
